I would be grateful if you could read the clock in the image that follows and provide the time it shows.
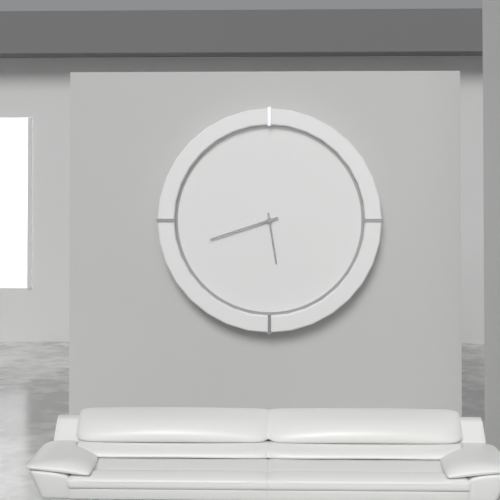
5:42
